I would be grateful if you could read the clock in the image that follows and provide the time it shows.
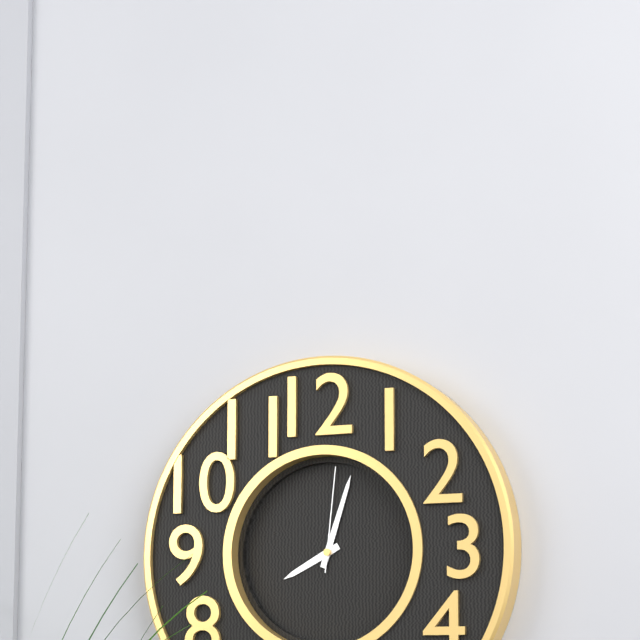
8:03:01
